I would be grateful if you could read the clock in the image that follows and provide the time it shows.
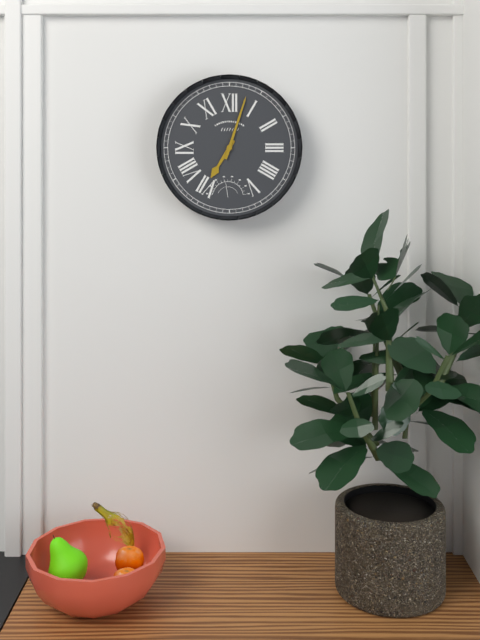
7:03
